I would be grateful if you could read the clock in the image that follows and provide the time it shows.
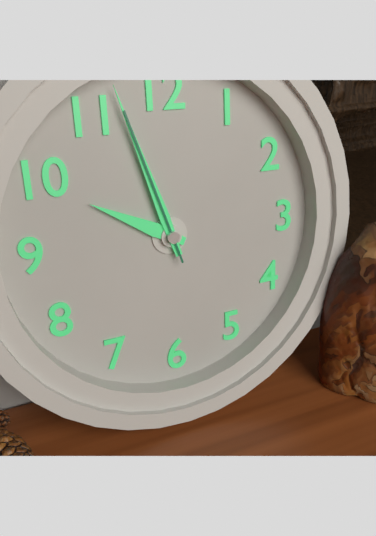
9:57:57
